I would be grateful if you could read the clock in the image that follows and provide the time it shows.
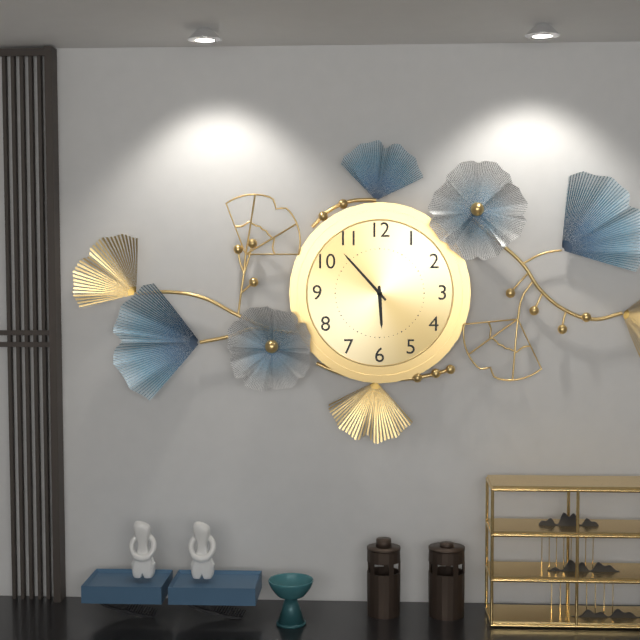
5:53
